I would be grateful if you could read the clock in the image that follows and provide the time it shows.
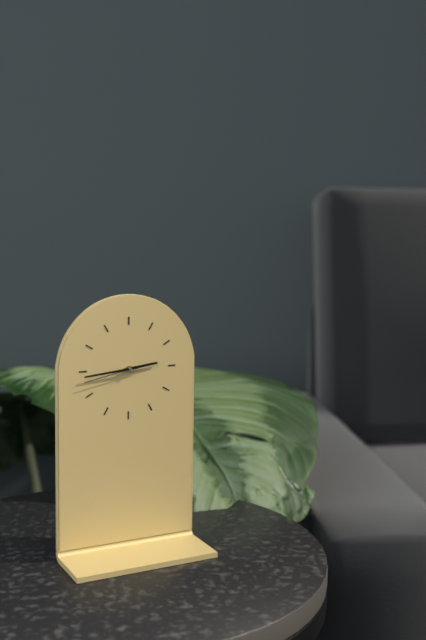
2:44:43
